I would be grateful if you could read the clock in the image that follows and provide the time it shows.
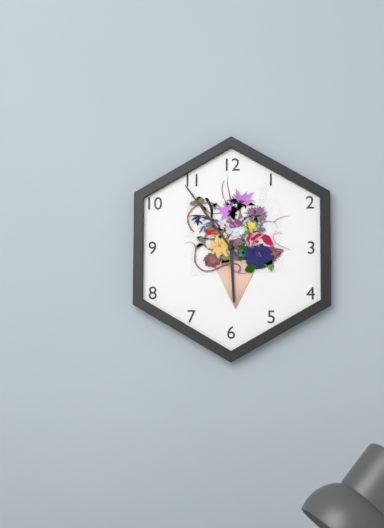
5:54
